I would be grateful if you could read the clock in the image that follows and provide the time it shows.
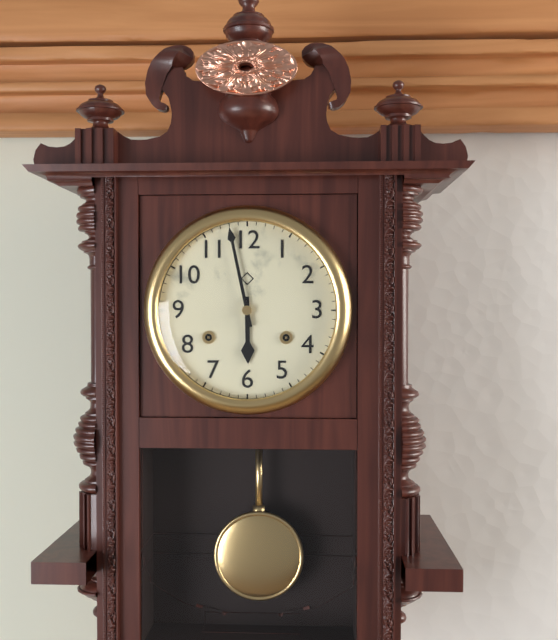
5:58
